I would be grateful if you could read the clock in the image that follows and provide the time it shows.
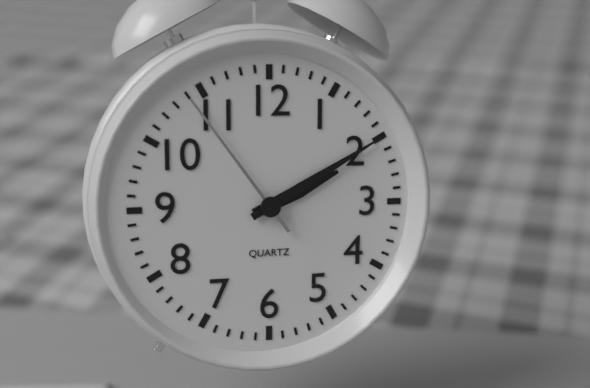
2:10:54
